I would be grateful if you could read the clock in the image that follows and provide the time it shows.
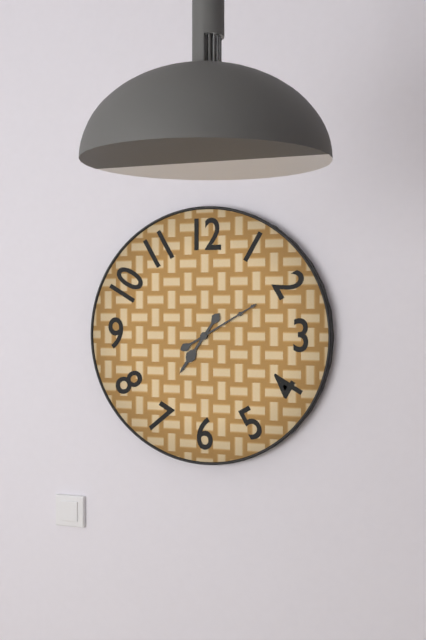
7:10
